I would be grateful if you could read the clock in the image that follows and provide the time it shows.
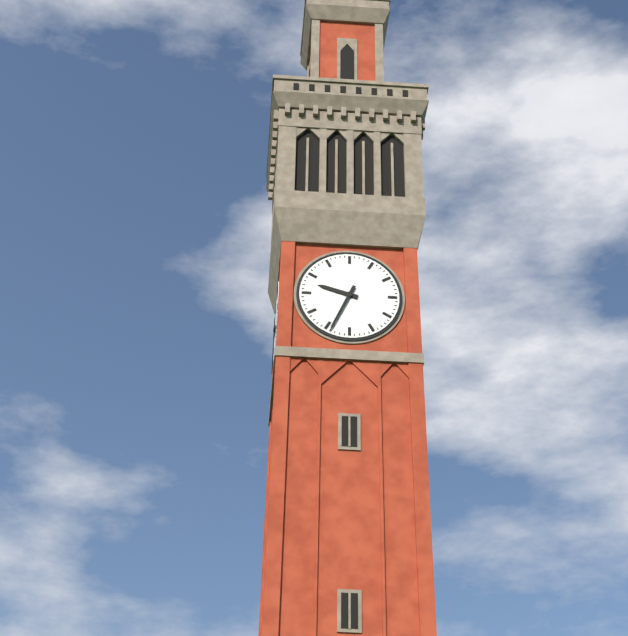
9:34
